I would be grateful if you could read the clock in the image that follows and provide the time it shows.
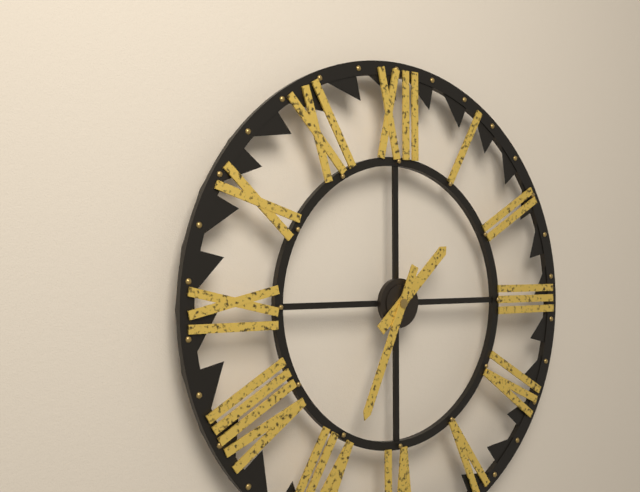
1:34
